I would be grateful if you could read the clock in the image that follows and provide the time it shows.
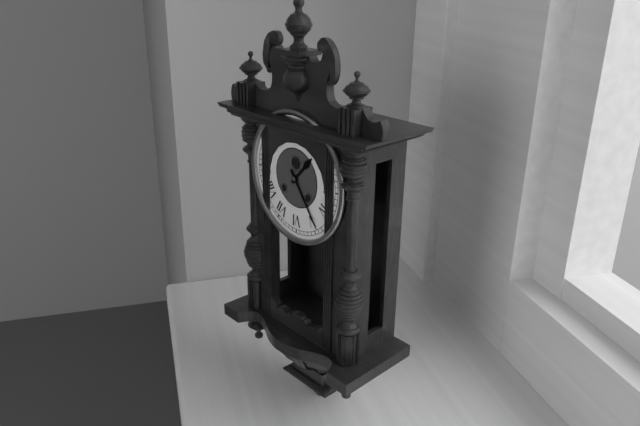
1:24
